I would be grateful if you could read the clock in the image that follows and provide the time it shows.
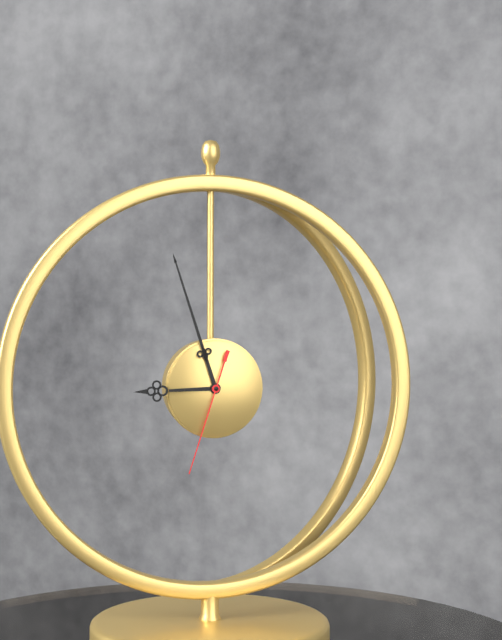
8:57:33
